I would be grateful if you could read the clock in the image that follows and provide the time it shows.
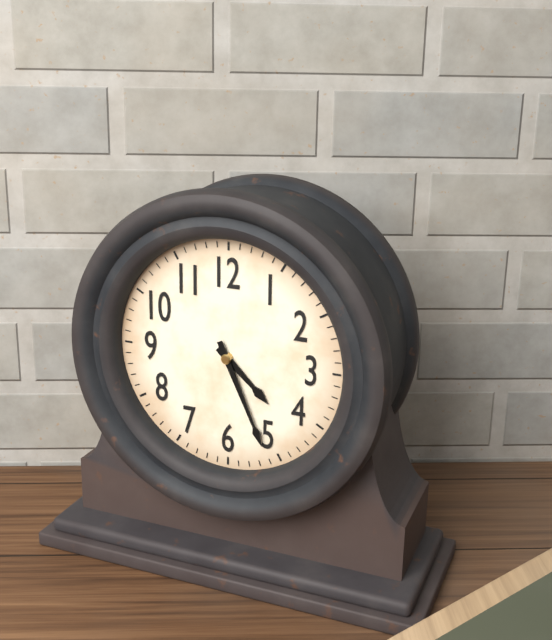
4:26
